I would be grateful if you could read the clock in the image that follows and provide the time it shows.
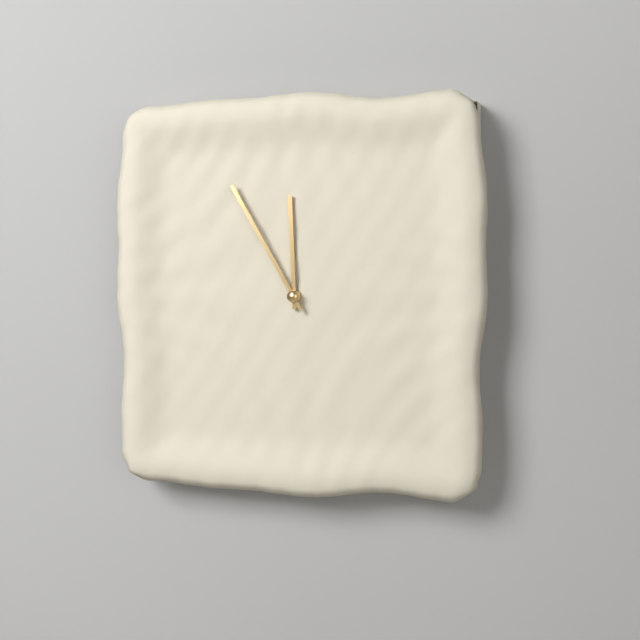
11:55
